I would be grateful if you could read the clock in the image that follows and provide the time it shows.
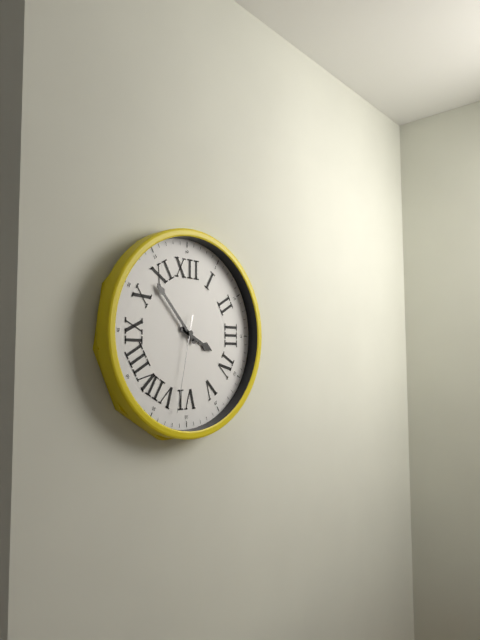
3:53:32
